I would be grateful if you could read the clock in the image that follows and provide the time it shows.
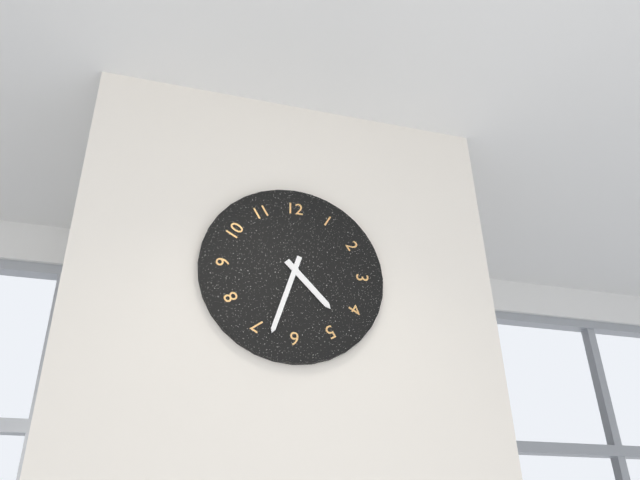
4:33
